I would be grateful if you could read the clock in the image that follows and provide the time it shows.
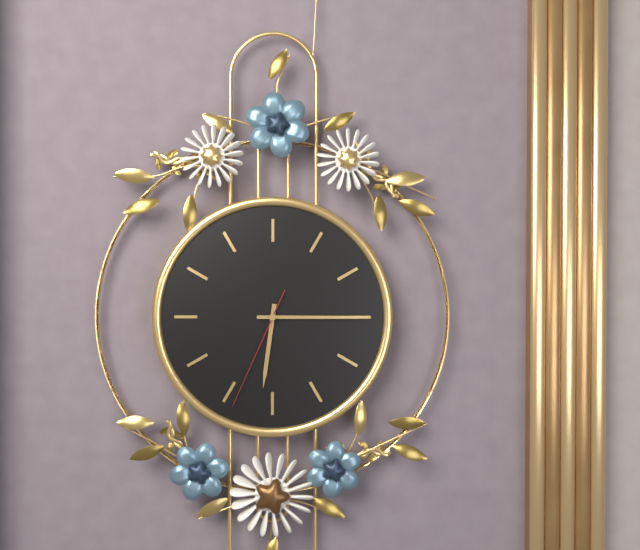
6:15:34
